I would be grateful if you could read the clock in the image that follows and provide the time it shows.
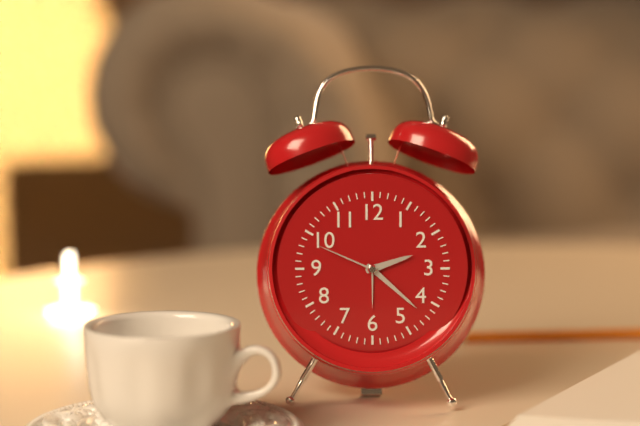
2:22:49
